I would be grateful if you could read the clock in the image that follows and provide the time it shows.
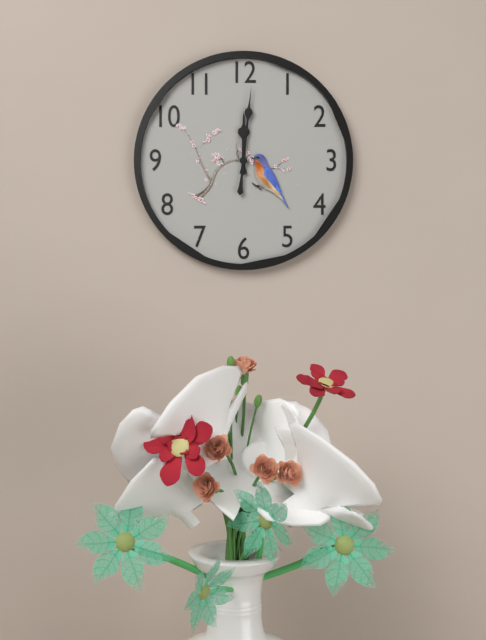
12:01
